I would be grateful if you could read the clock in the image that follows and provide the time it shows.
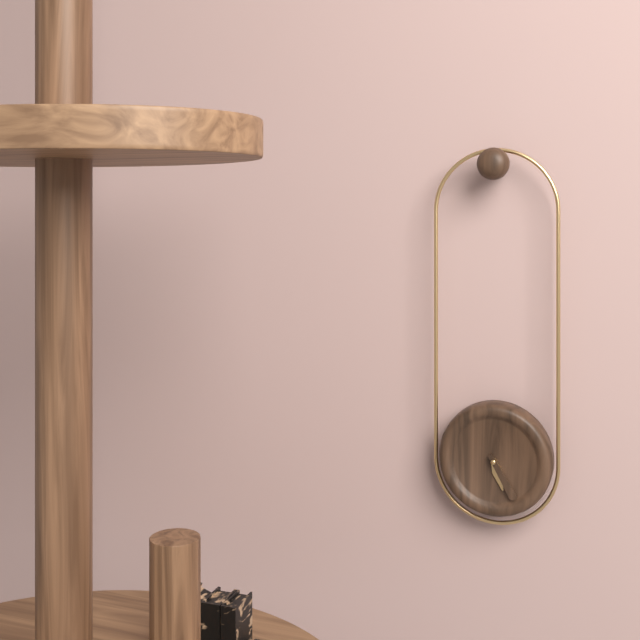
5:25
